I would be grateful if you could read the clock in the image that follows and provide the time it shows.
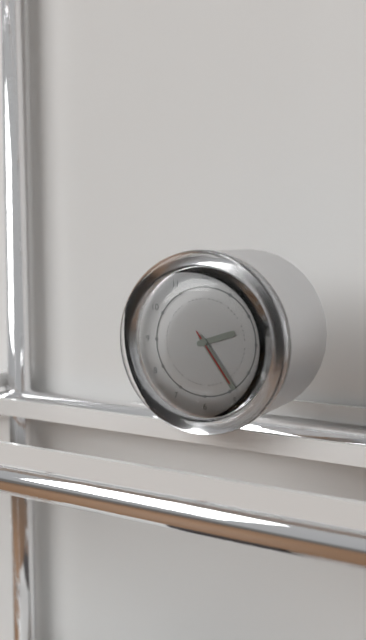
2:24:24
